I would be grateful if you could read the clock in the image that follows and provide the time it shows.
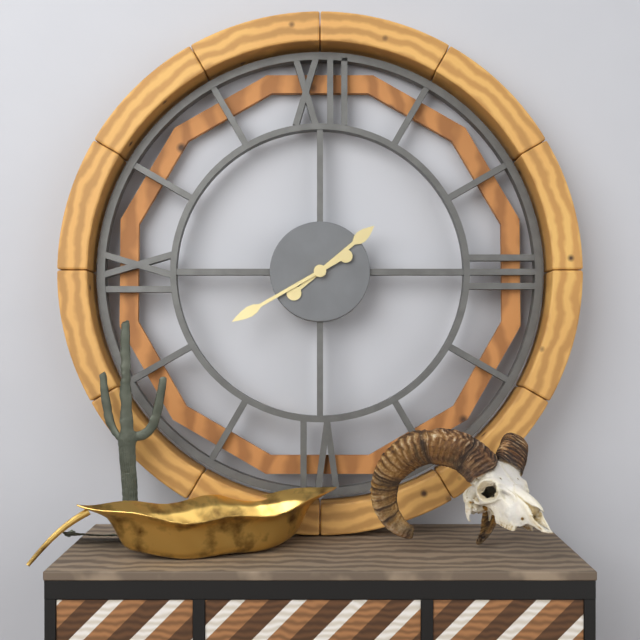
1:40
